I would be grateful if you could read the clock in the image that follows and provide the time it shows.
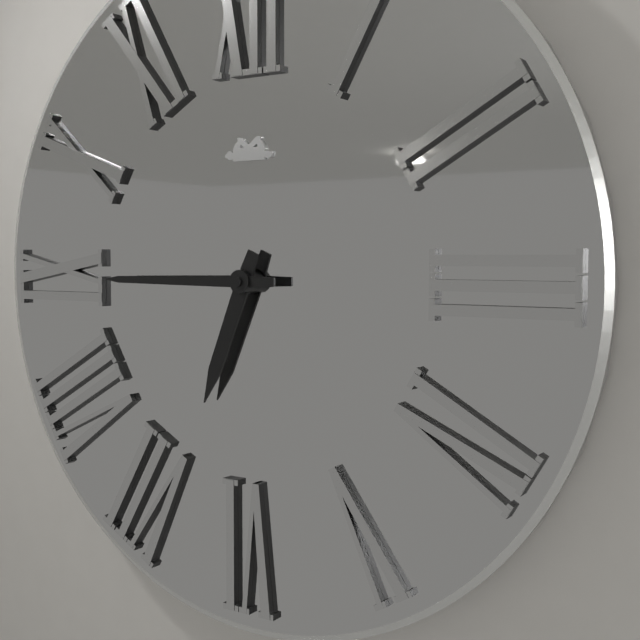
6:45
